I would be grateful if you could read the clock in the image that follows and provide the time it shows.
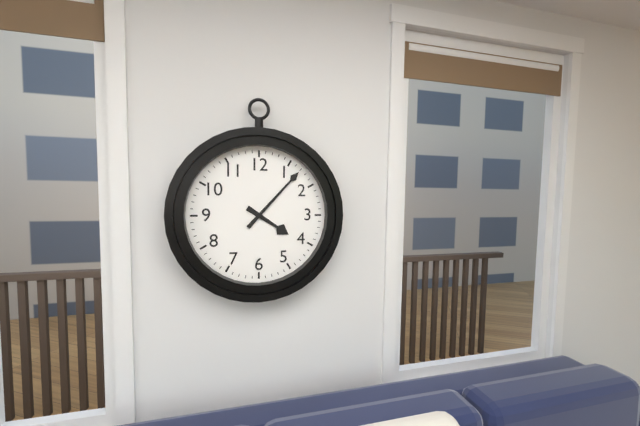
4:07
